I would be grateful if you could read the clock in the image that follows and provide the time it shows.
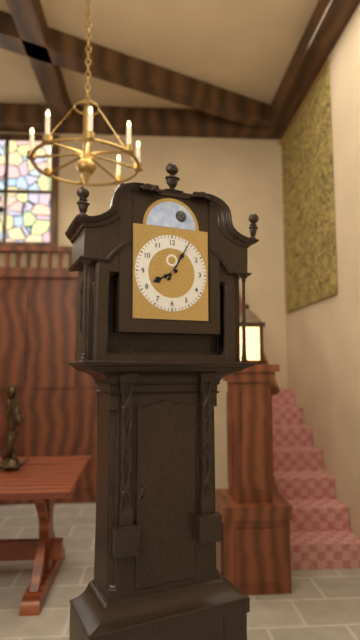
8:05
